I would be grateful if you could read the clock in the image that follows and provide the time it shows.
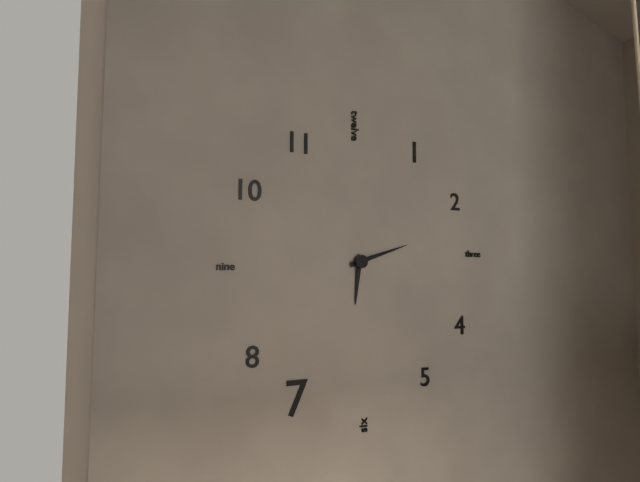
6:12
